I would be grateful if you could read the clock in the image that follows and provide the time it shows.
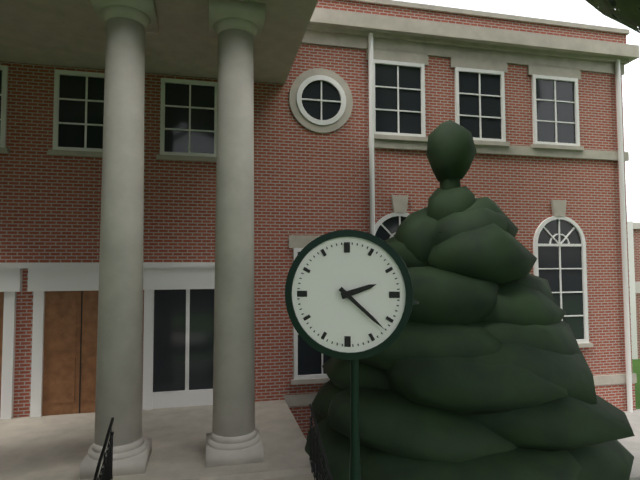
2:22
